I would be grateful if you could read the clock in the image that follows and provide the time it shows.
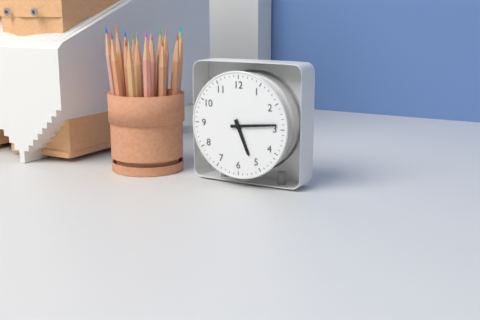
5:14
